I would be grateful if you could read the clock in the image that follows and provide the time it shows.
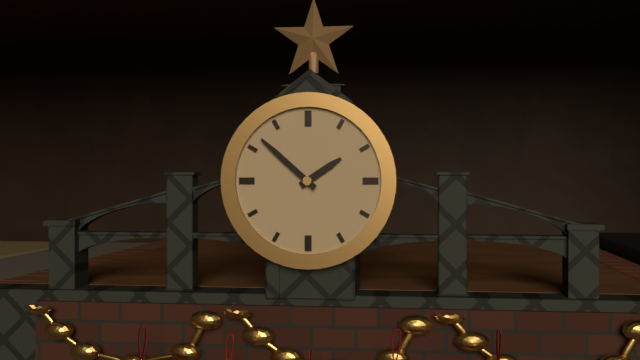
1:52
